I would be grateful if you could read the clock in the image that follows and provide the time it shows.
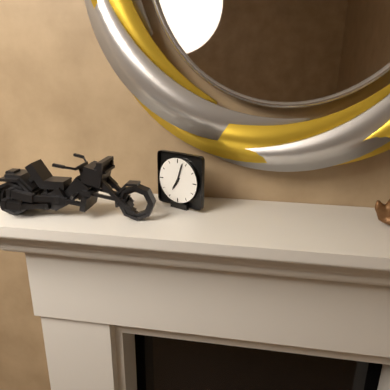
7:03
